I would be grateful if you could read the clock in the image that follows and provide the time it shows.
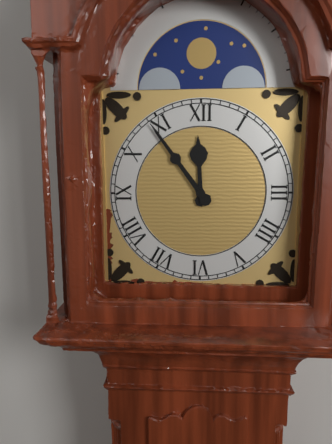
11:54
